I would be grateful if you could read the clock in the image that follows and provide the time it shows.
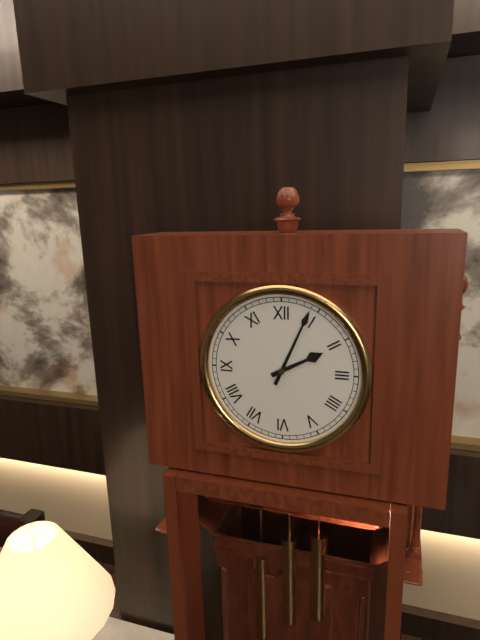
2:04
